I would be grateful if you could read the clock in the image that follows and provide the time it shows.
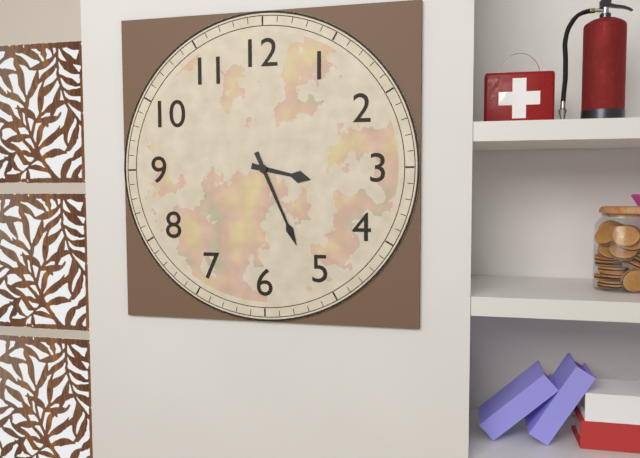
3:26
